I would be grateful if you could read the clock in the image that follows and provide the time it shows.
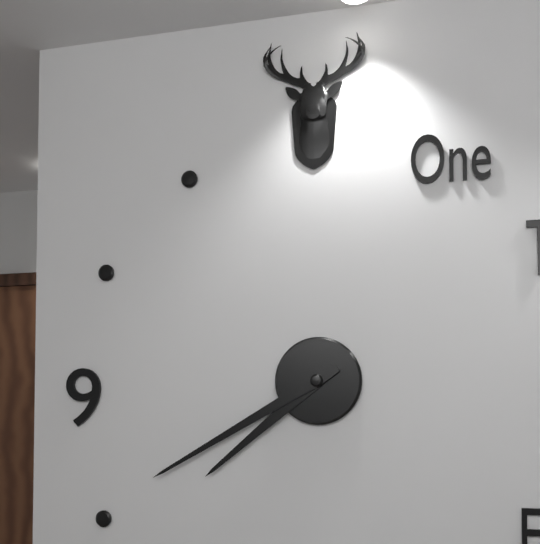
7:40
